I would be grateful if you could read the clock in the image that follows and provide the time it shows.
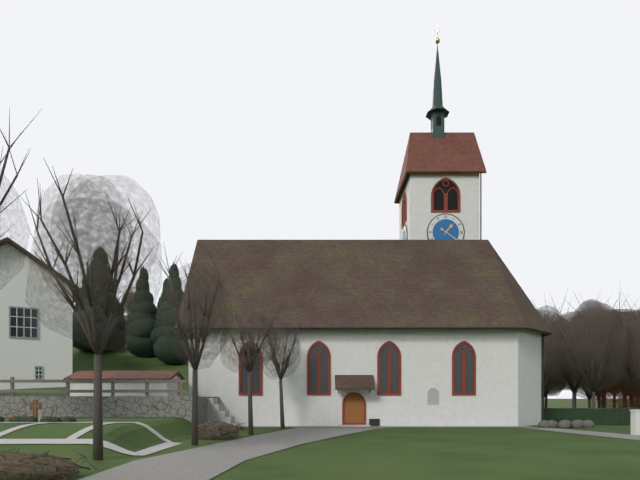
1:21
